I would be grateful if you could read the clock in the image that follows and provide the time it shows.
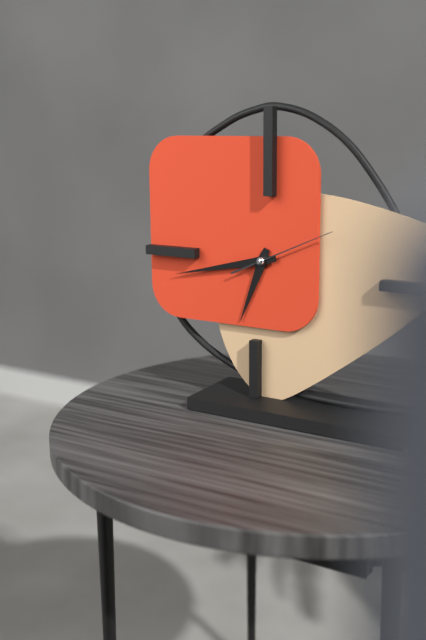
6:43:11
